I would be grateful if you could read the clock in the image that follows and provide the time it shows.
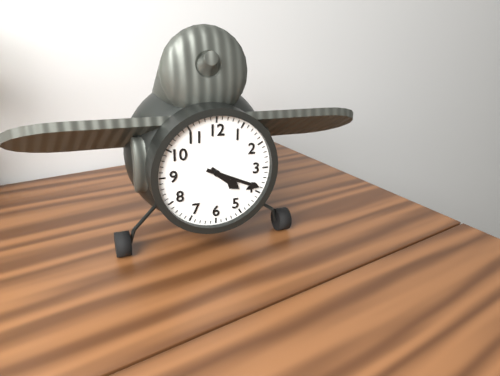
4:19
